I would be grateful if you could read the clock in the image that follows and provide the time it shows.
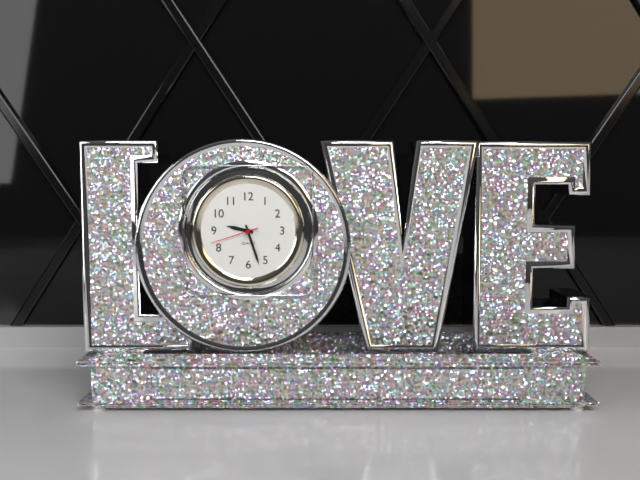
9:27
